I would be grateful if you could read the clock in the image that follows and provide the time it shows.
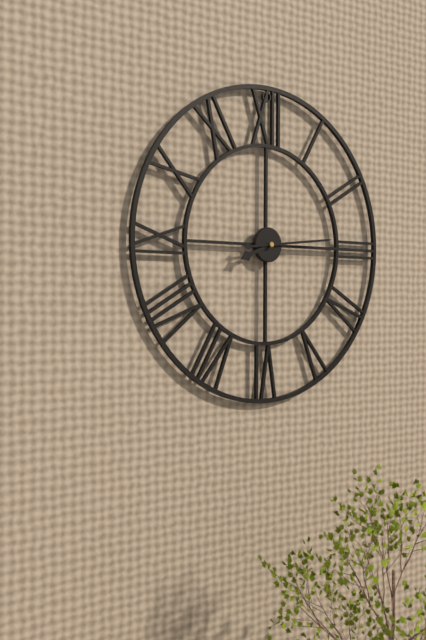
8:14
